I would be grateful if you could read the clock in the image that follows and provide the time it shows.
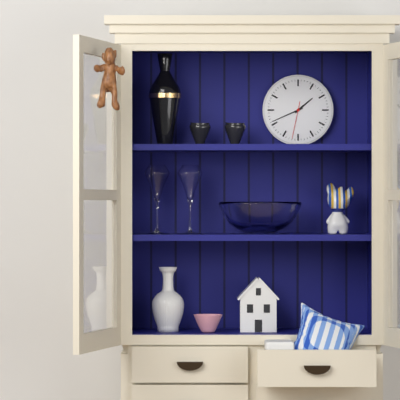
1:41
